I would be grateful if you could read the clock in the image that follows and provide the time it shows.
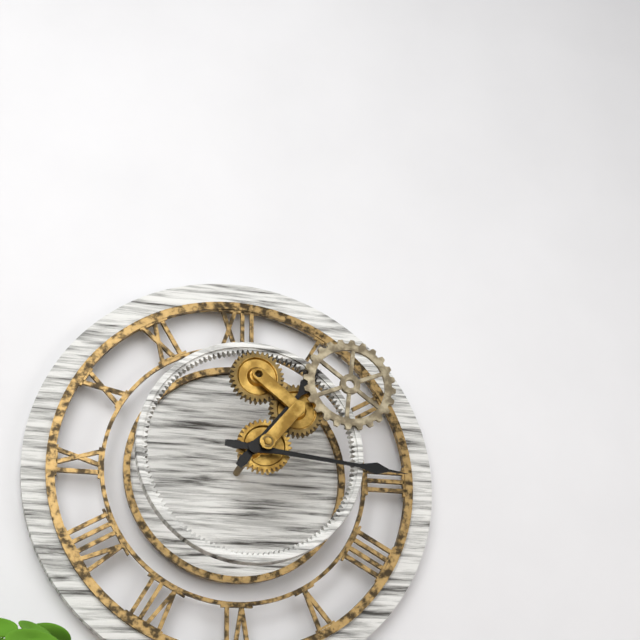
1:16
